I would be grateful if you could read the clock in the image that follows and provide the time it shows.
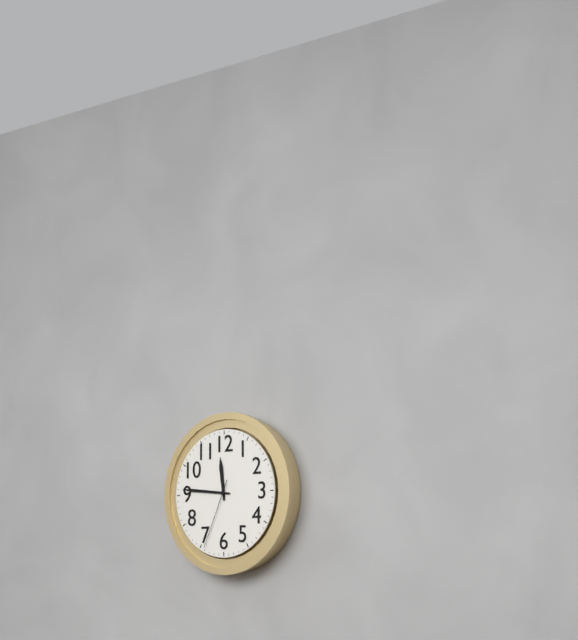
11:46:34
